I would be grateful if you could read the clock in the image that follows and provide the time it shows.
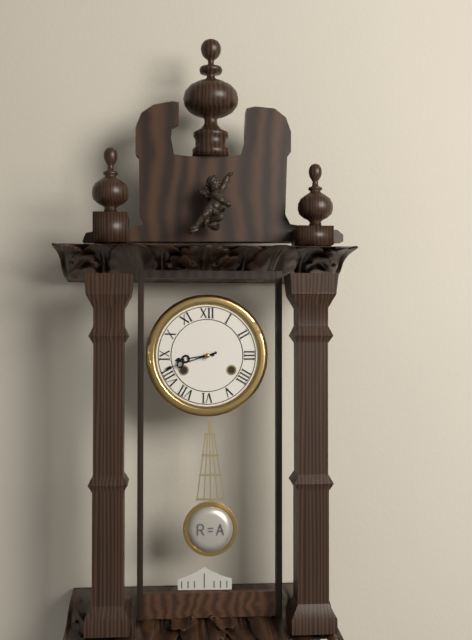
8:42
